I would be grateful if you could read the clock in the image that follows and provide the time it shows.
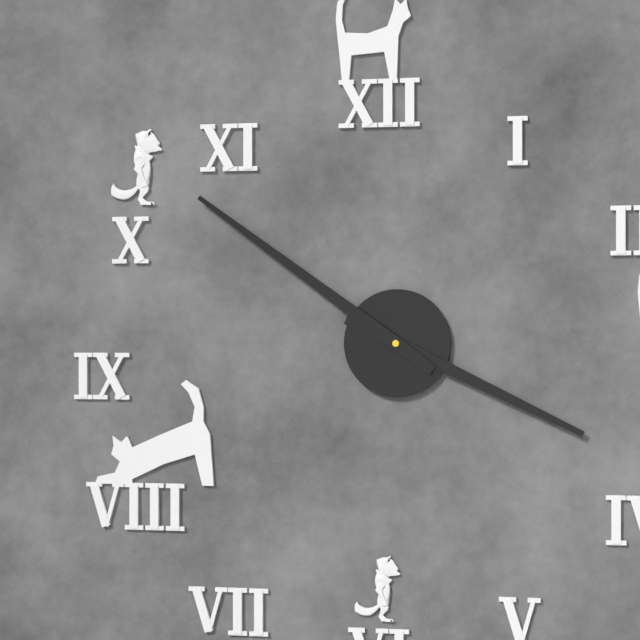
3:51
